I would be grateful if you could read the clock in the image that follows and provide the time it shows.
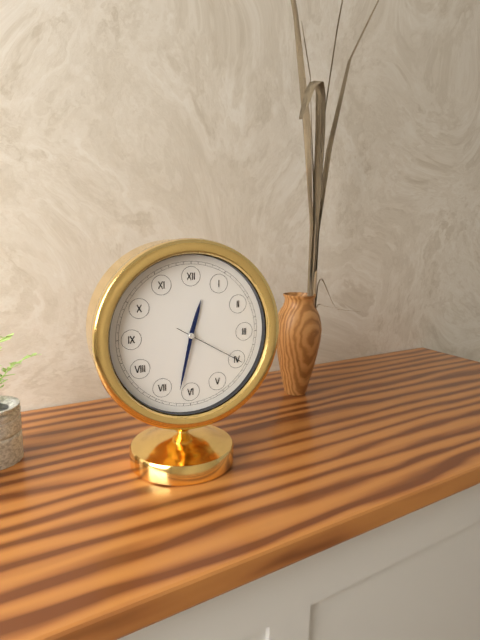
12:32:20
